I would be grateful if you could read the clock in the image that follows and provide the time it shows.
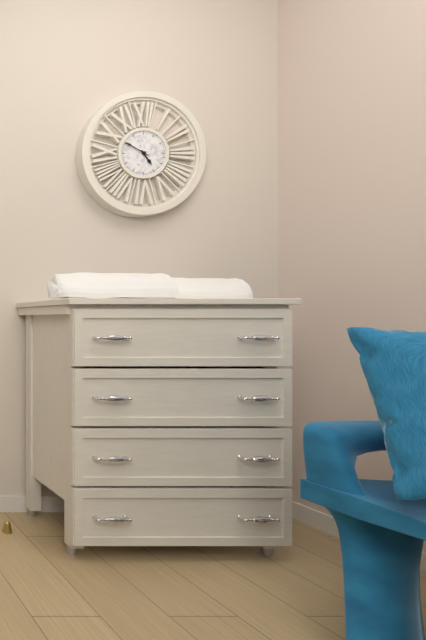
4:50
